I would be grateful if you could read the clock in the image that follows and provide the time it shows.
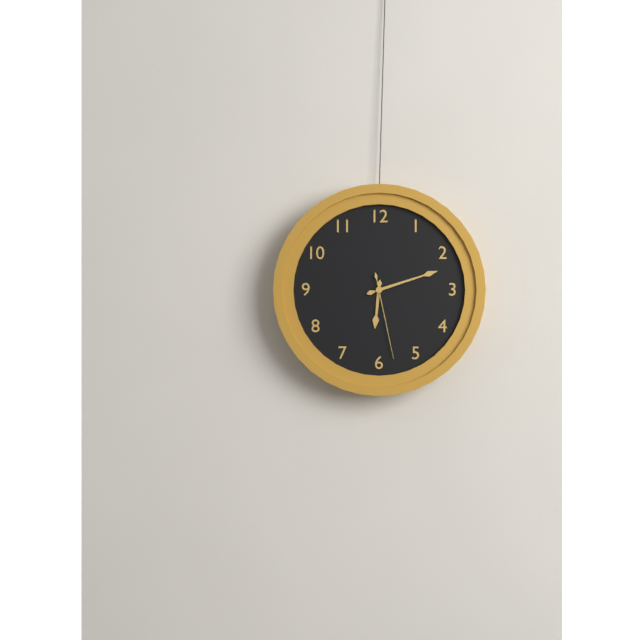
6:12:28
